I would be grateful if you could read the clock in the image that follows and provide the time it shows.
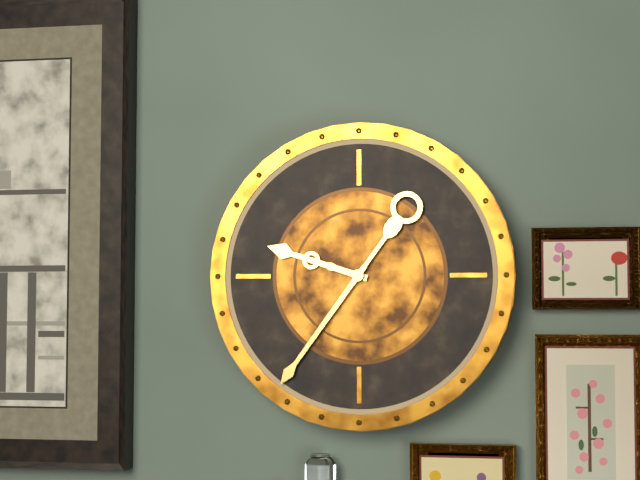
9:36
